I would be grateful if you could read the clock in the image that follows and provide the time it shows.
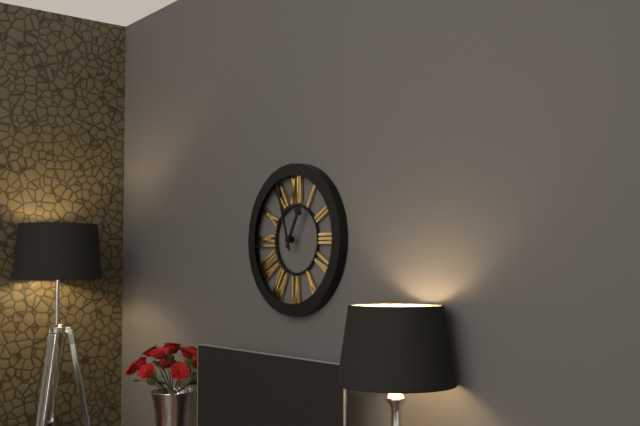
12:57
